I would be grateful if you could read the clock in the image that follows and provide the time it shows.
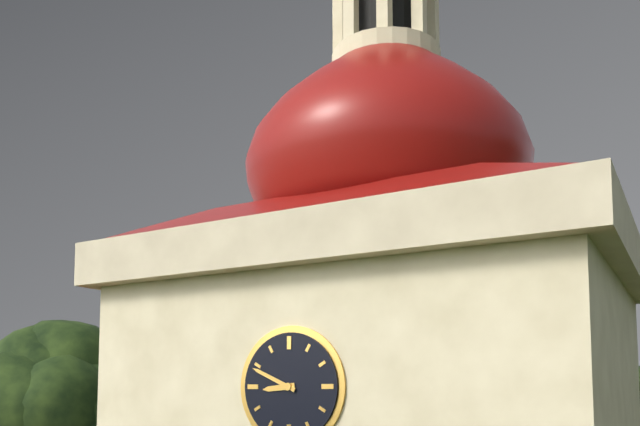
8:49
